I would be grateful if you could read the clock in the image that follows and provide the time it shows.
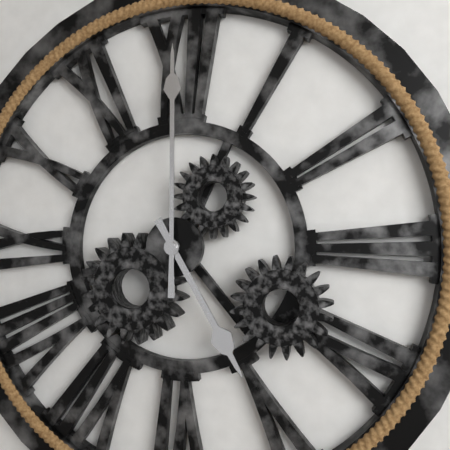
5:00
